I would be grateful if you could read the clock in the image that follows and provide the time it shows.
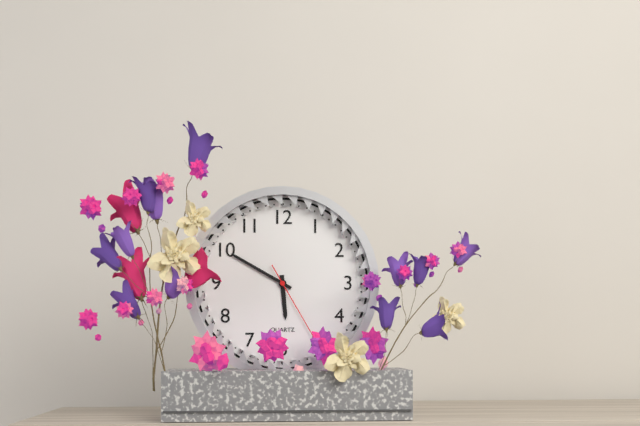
5:50:25
